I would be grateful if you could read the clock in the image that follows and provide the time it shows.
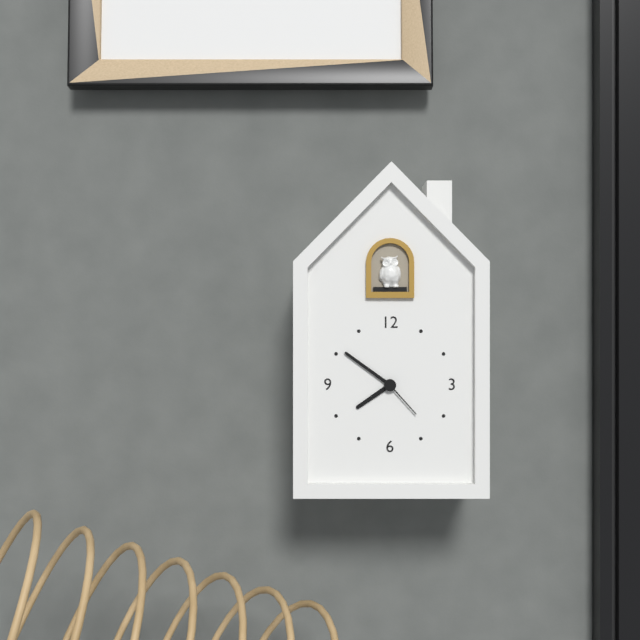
7:51
